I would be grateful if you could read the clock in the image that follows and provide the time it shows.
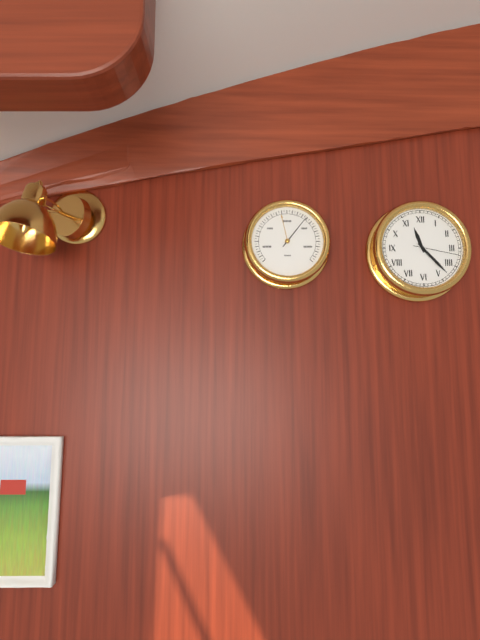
11:23
